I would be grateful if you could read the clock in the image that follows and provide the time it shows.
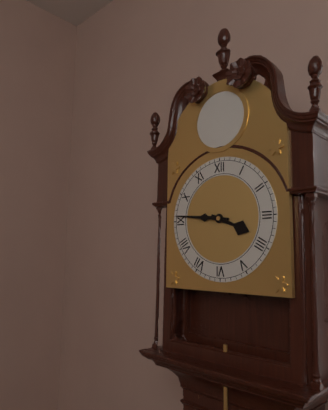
3:46
